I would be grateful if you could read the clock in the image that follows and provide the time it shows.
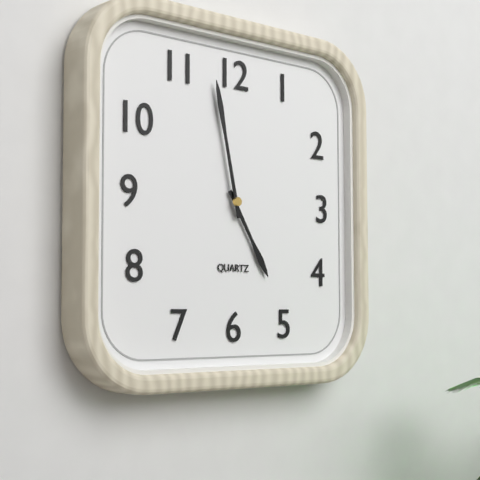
4:58
